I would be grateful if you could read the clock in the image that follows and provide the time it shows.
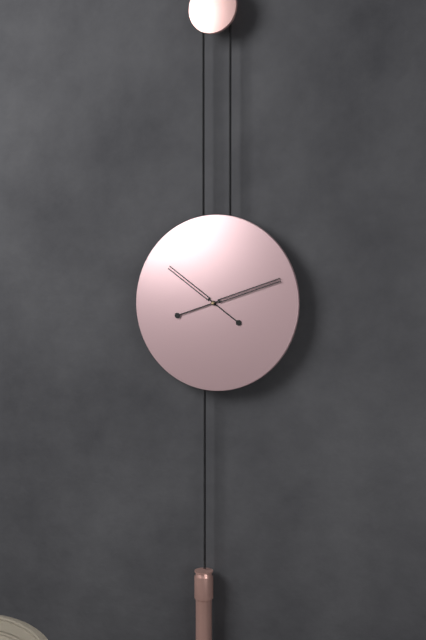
10:12
